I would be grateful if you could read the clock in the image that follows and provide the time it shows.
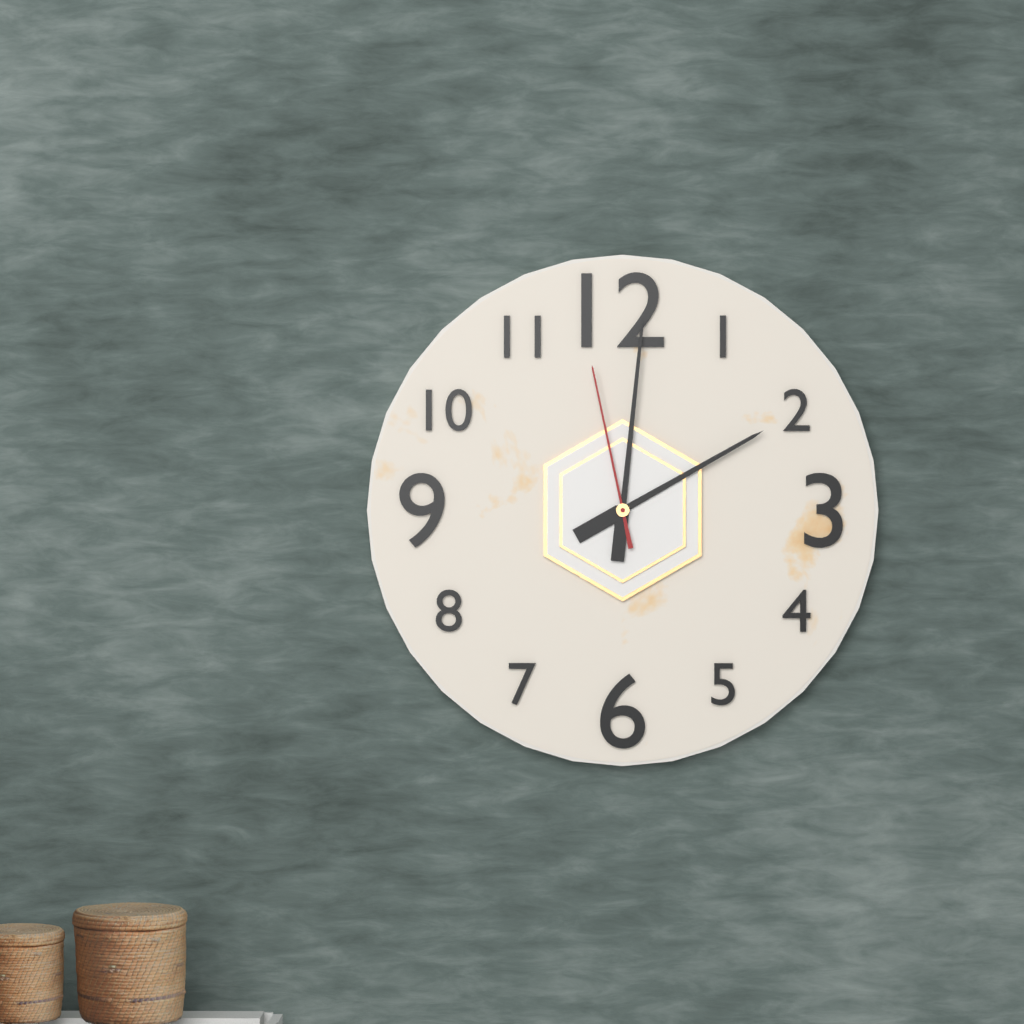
2:01:58
